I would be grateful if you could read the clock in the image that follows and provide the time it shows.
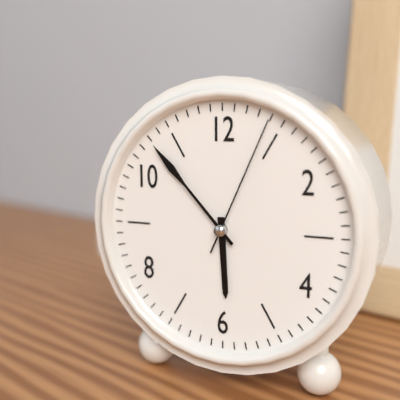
5:53:04
